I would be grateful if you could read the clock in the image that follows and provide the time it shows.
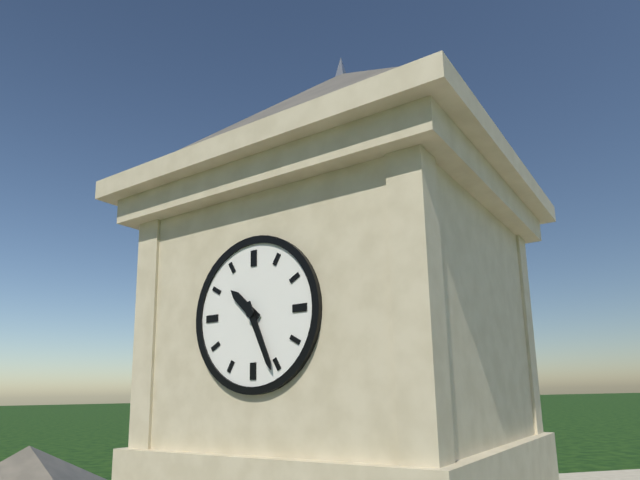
10:26
